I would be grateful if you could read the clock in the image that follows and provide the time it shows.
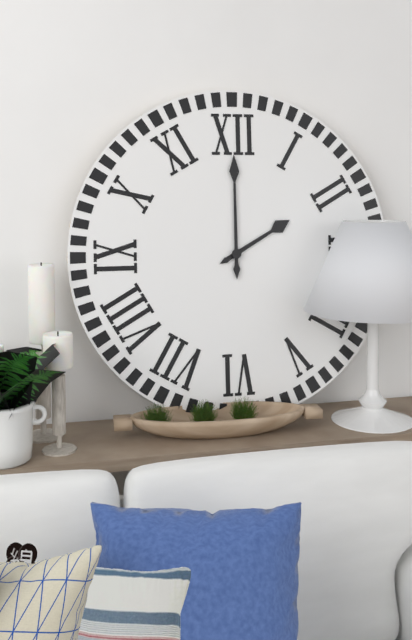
2:00
